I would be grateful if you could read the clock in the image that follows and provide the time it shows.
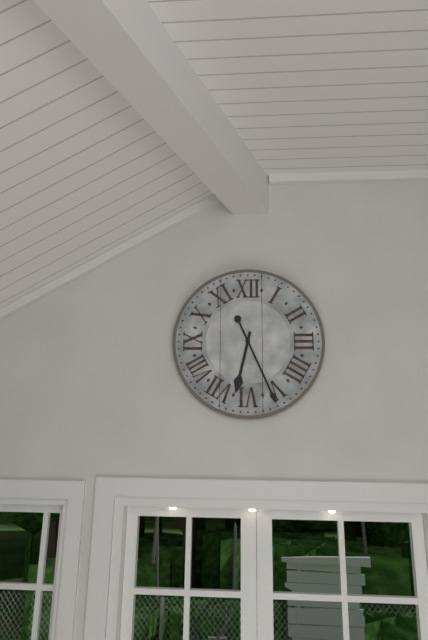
6:26
